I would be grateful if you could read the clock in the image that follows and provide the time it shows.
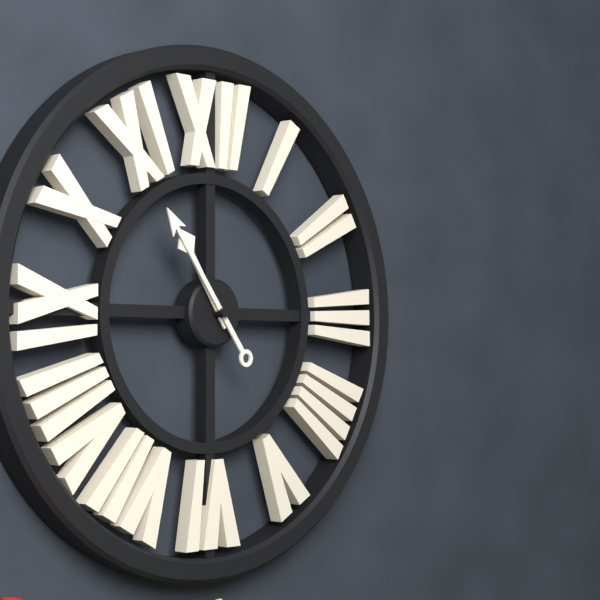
10:54
